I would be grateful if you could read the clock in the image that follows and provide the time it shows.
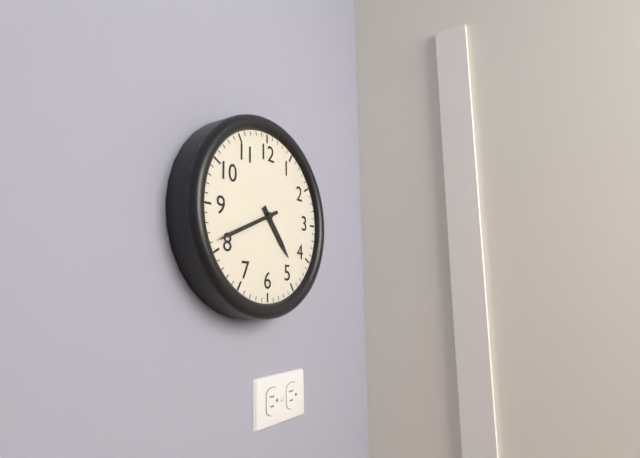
4:41
